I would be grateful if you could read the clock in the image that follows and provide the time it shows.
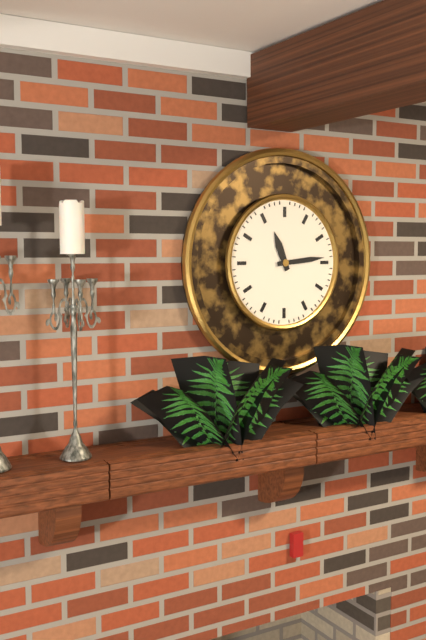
11:14
